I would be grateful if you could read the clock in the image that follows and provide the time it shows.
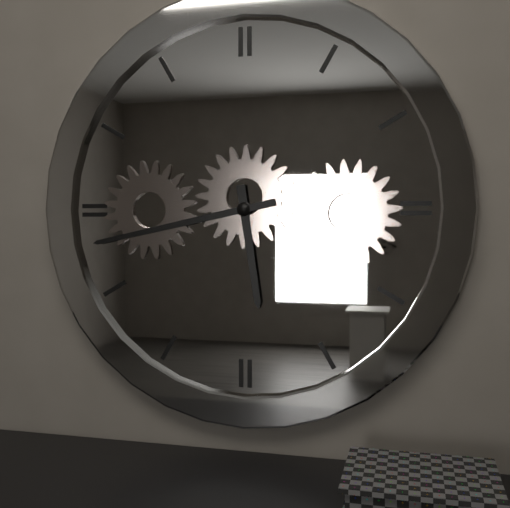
5:43
